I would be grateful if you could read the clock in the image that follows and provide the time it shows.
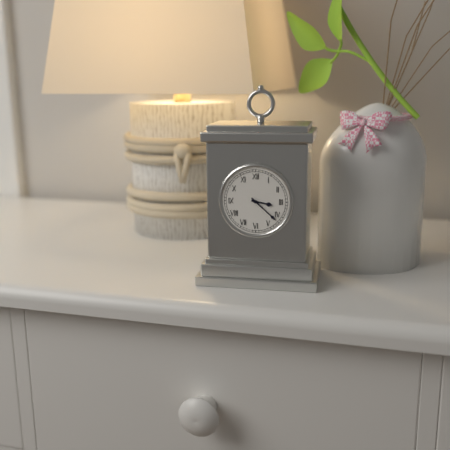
3:22
